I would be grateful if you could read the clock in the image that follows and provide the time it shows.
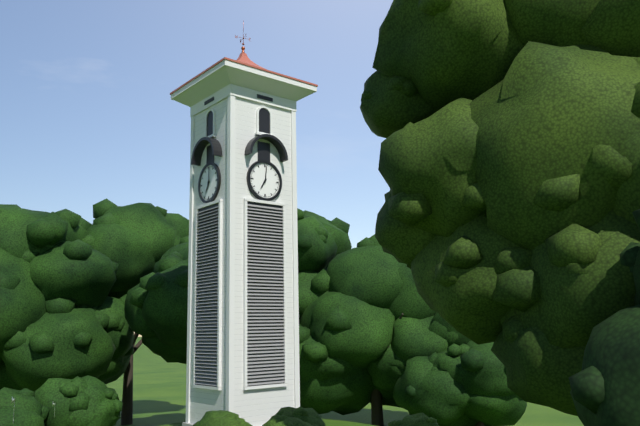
7:01
